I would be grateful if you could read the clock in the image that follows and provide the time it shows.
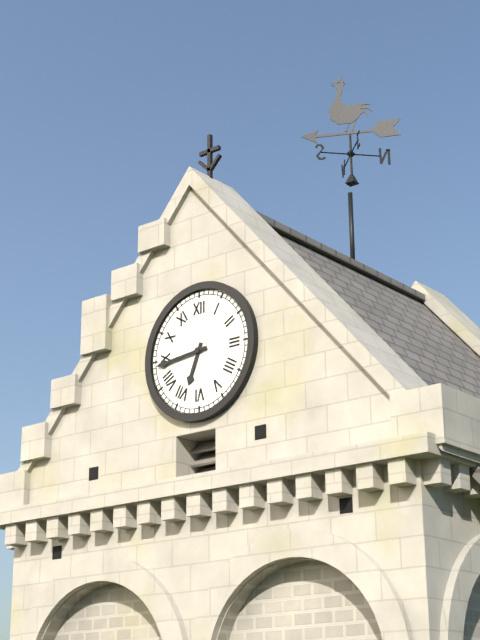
6:44
